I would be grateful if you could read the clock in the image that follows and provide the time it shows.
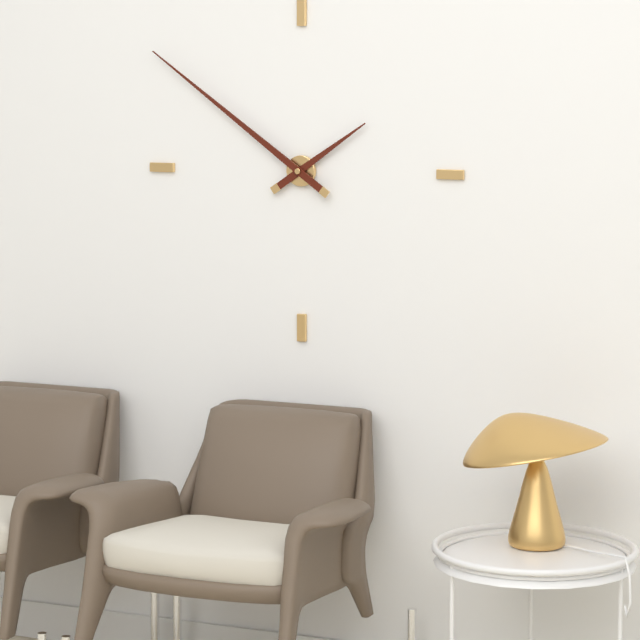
1:51
